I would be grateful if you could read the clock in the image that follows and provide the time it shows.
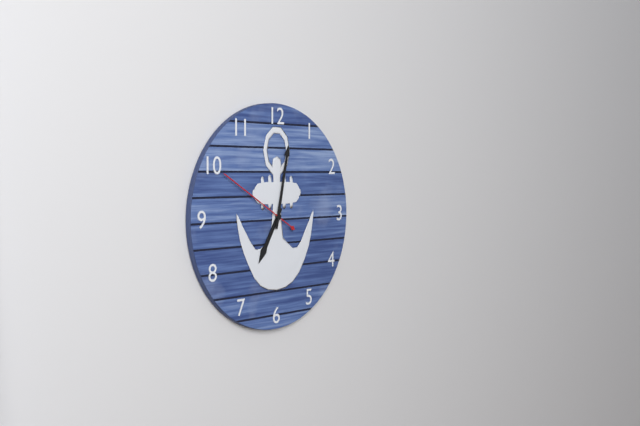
7:02:50
